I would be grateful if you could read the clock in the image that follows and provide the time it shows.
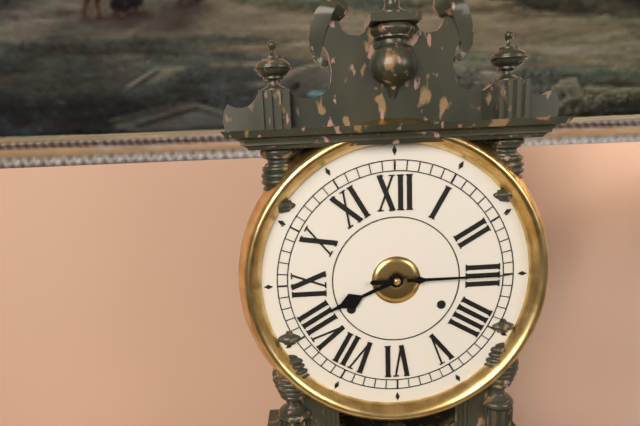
8:15
